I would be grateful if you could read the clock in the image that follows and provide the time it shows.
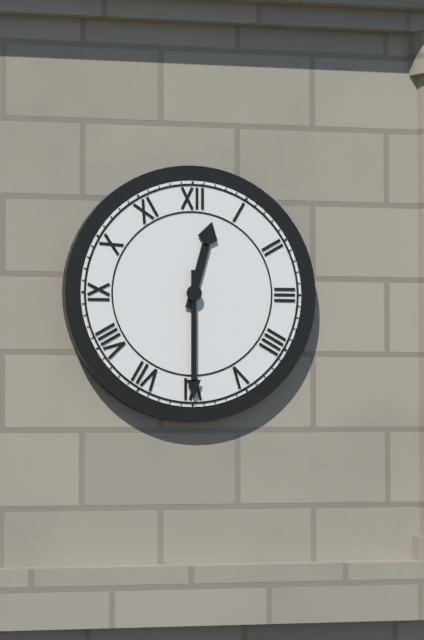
12:30
